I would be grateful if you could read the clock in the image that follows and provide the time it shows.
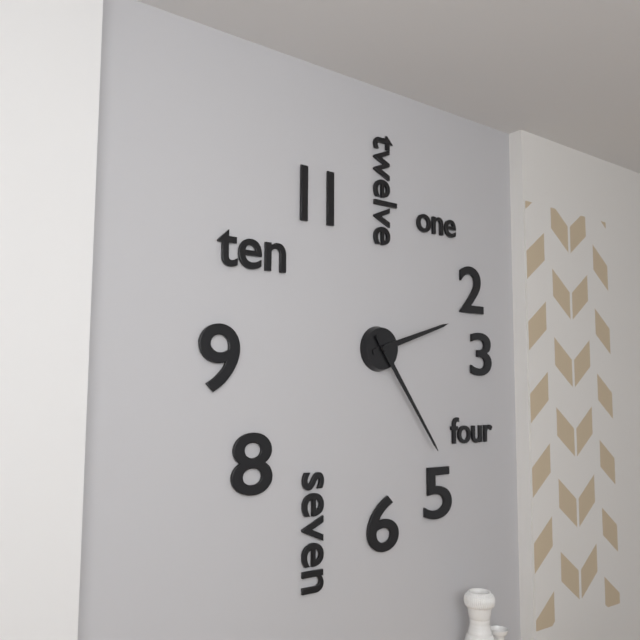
2:24
